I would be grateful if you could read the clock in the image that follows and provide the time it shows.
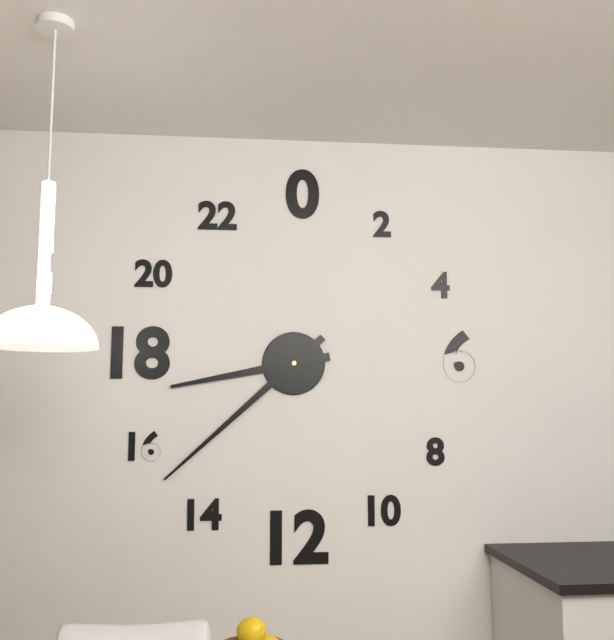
8:38
